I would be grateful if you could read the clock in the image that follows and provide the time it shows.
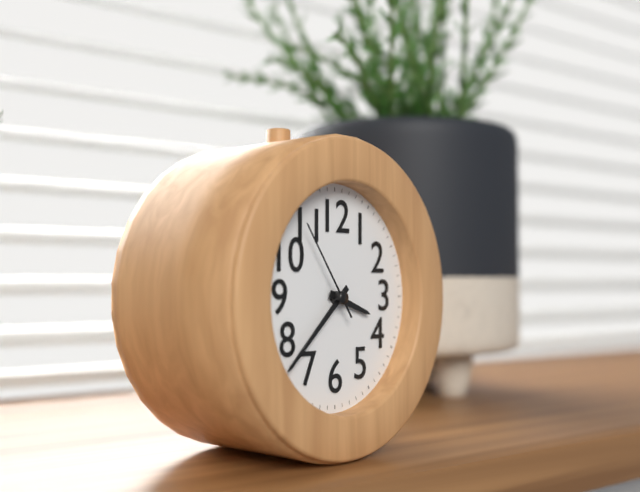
3:38:54
